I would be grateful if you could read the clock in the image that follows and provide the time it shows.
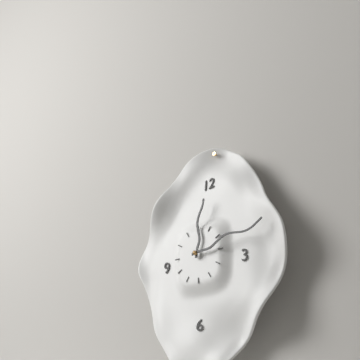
12:13
